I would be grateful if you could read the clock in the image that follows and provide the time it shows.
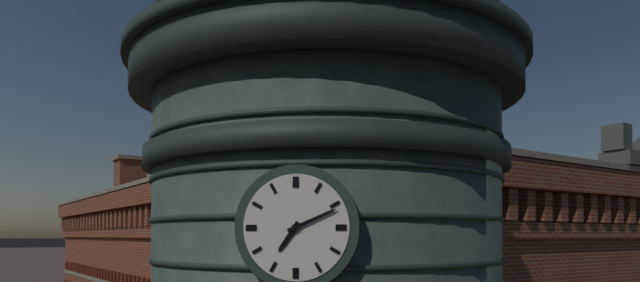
7:11
